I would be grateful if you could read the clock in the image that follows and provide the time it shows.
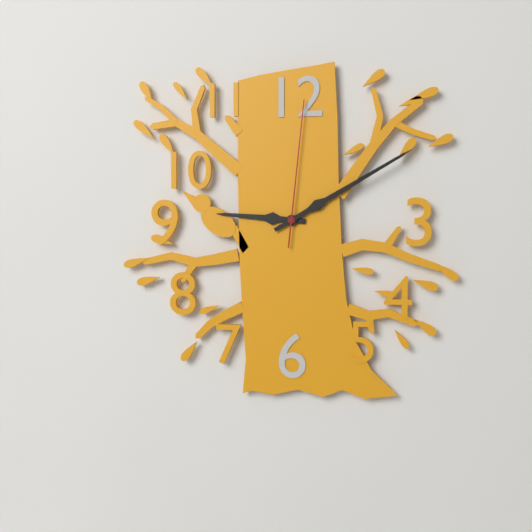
9:10:01
